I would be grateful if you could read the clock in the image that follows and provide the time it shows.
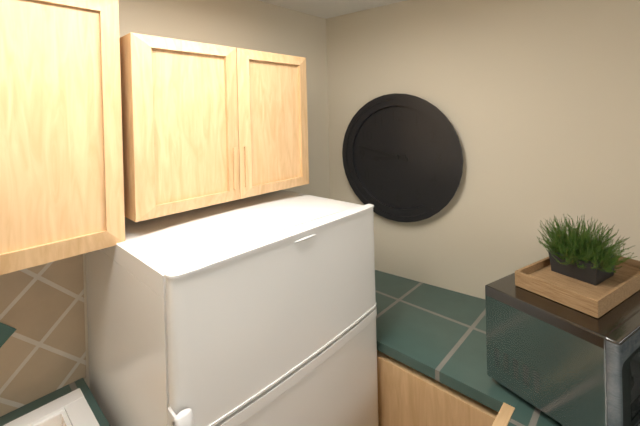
8:47
